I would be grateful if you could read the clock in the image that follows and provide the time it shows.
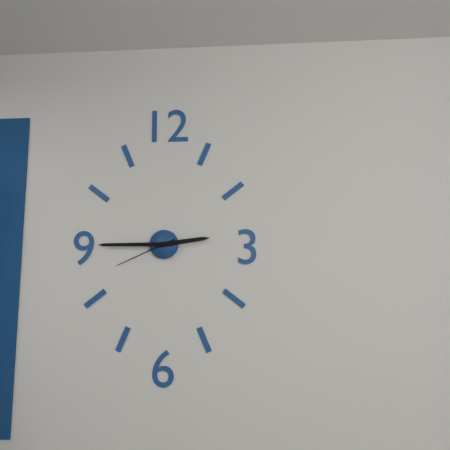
2:45:41
